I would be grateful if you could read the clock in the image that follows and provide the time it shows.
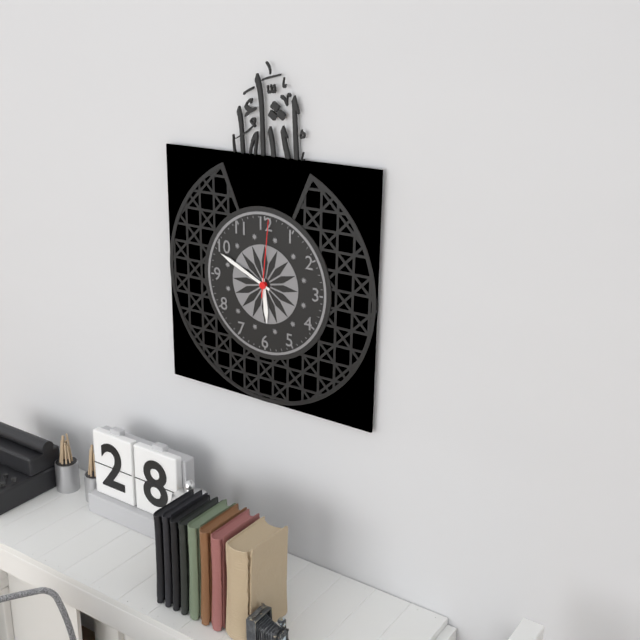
5:49:01
